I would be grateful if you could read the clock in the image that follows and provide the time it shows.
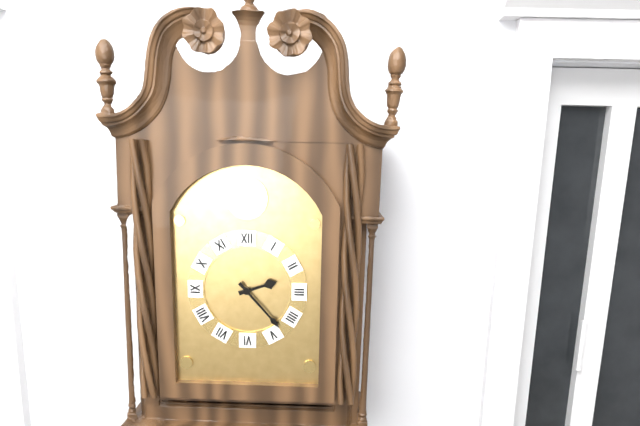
2:23
